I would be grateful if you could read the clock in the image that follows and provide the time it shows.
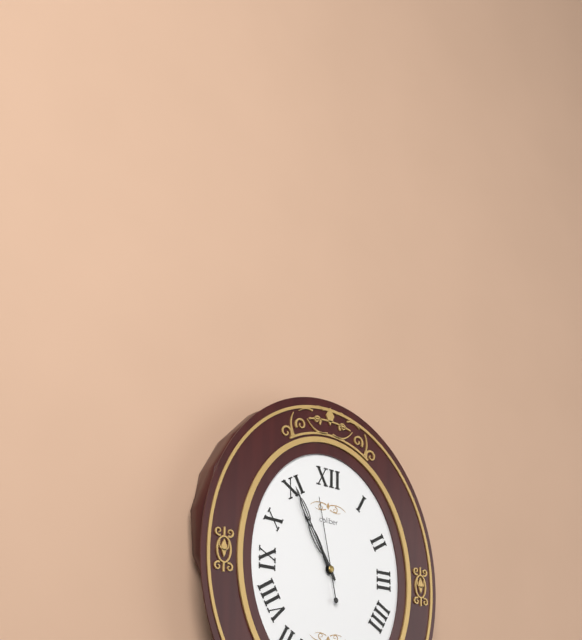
10:55:58
